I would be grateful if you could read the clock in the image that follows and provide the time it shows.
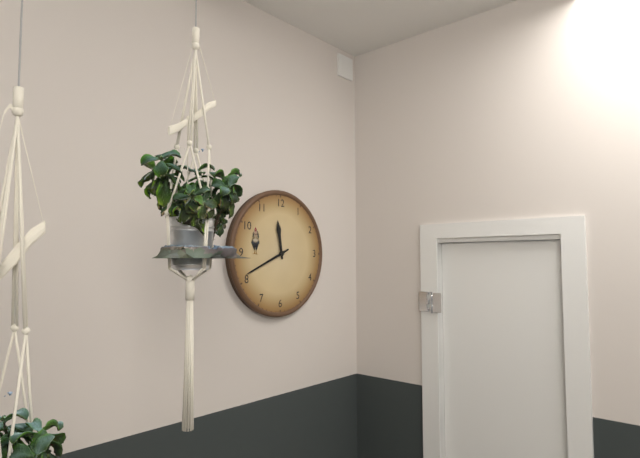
11:41
